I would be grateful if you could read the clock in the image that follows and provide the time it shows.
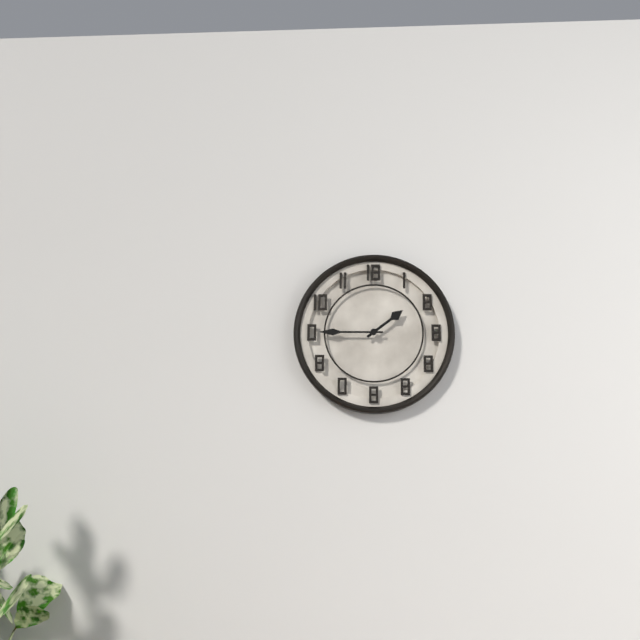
1:45
